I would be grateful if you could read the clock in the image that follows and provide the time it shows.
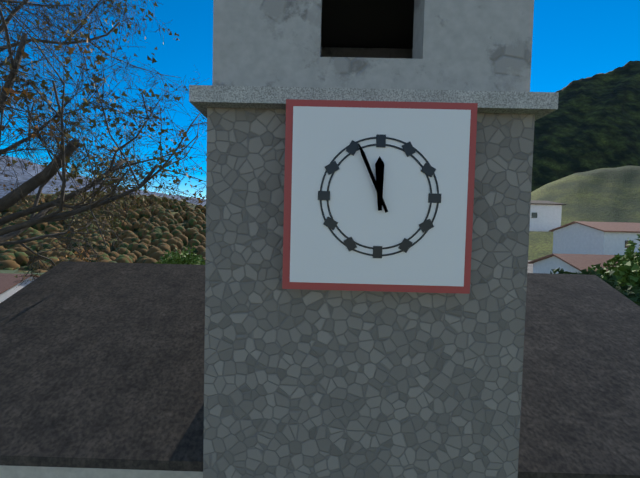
11:56
